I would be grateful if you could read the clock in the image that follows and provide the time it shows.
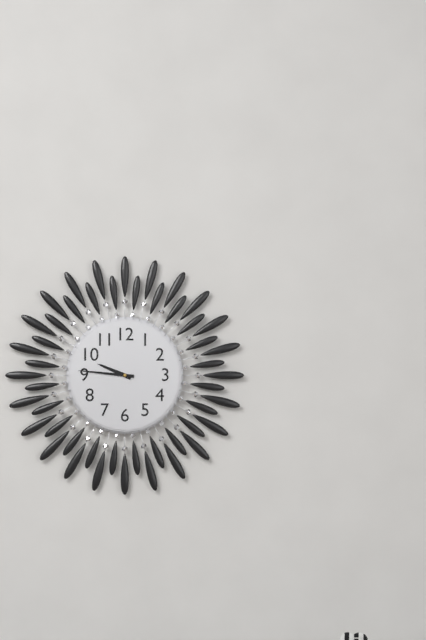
9:46
